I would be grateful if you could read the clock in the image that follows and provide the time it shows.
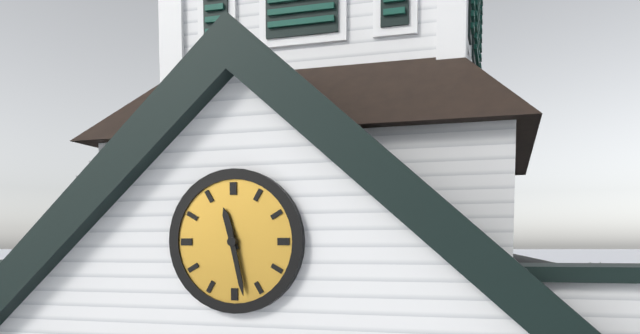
11:28
